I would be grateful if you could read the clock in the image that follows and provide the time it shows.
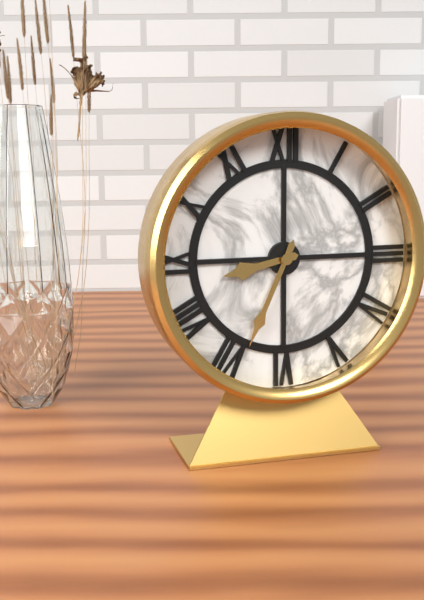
8:34
